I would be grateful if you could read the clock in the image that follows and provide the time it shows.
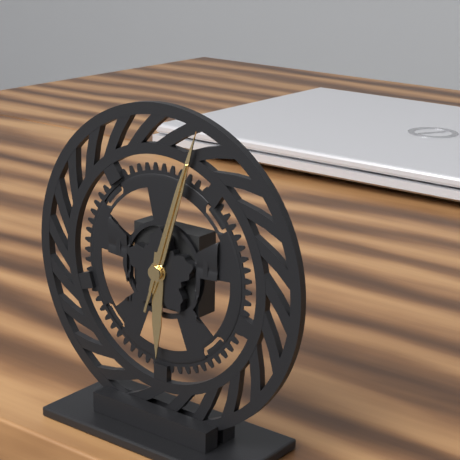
6:03:03
